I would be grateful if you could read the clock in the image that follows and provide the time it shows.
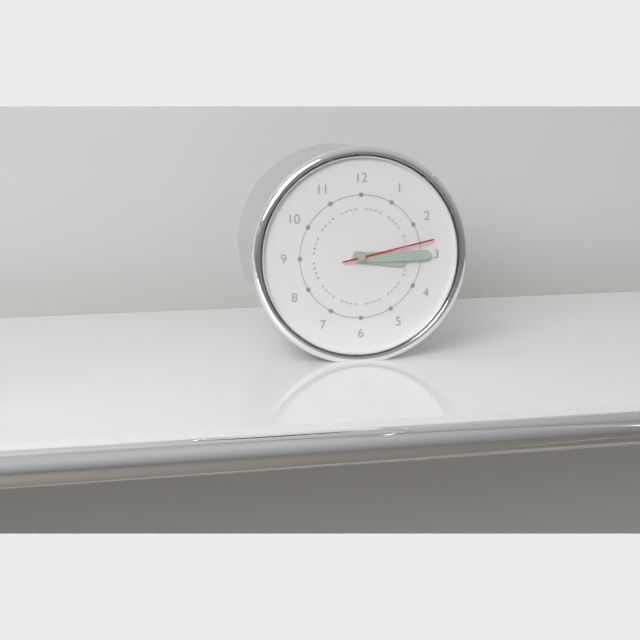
3:15:13
